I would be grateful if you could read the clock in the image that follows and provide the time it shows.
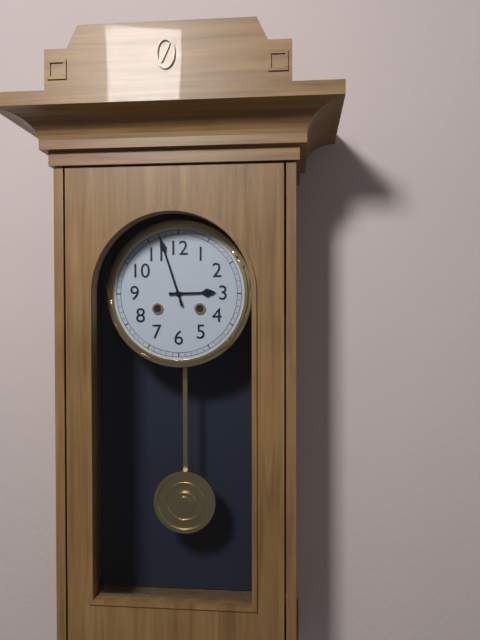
2:57
